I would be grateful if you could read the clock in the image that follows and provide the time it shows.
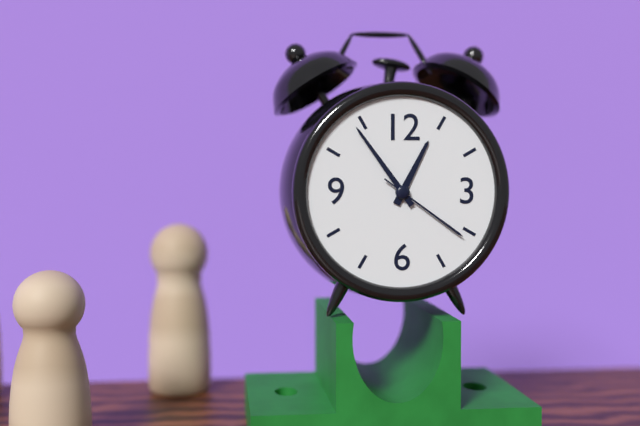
12:54:21
